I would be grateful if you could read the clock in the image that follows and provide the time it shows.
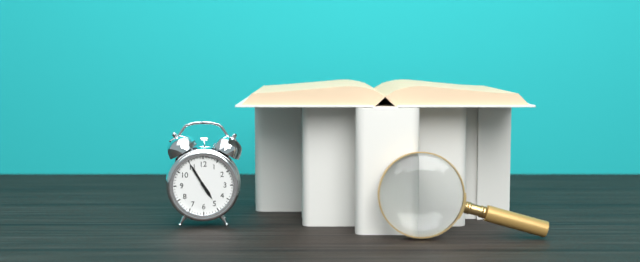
4:55
